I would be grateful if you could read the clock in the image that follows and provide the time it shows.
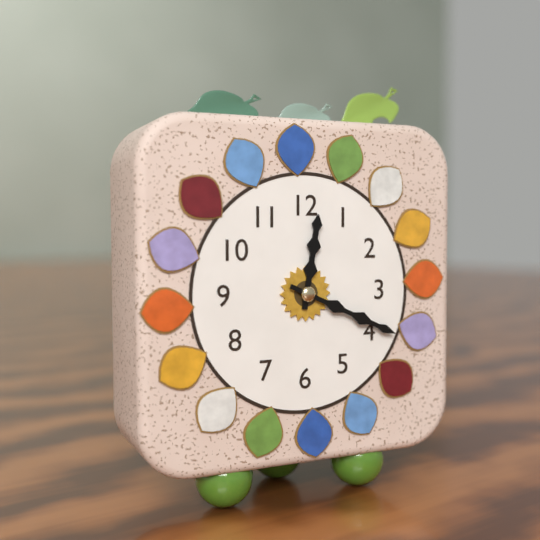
12:19
